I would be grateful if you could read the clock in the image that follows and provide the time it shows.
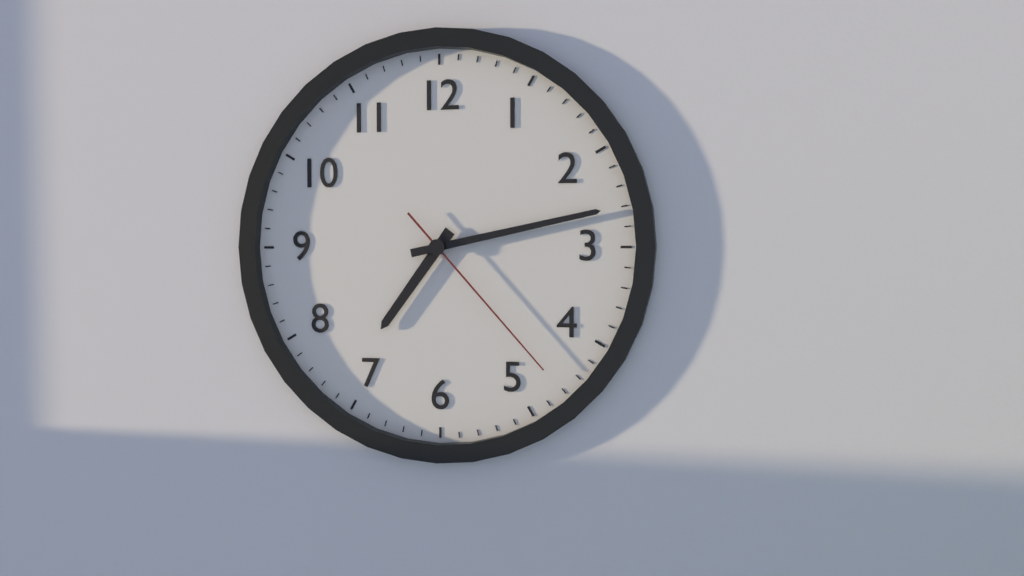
7:13:23
